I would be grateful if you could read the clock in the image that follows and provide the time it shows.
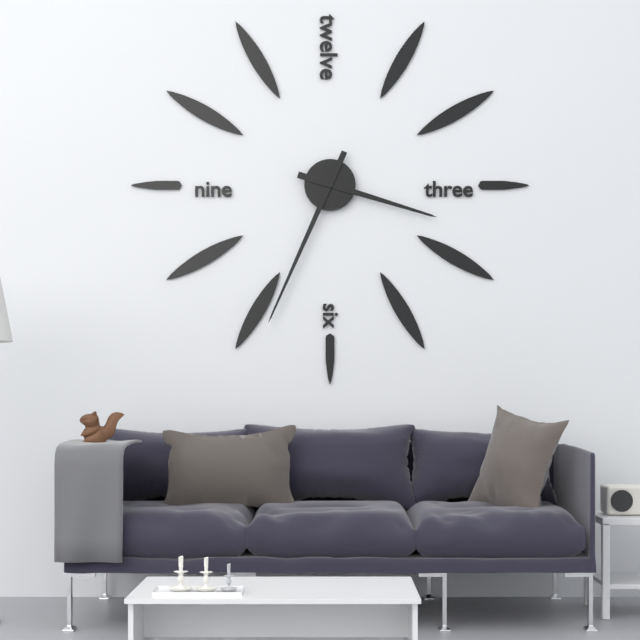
3:34
